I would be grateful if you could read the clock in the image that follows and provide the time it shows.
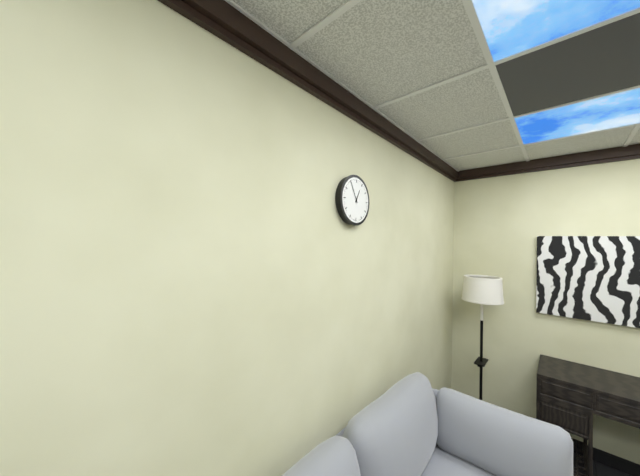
12:55
